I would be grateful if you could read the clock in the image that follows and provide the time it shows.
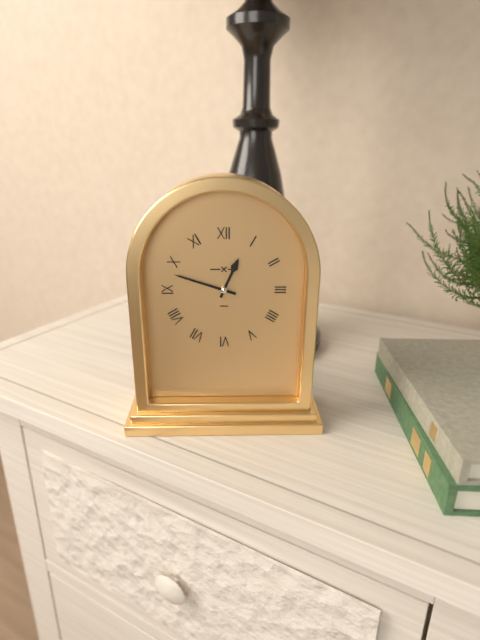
12:48
